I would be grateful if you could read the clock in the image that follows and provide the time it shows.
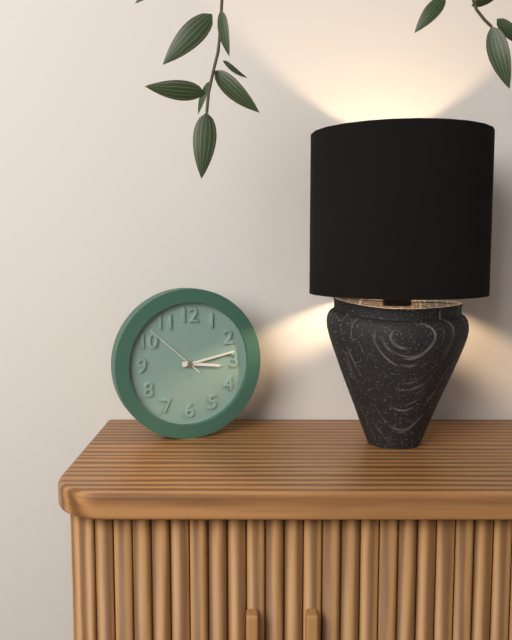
3:13:52
